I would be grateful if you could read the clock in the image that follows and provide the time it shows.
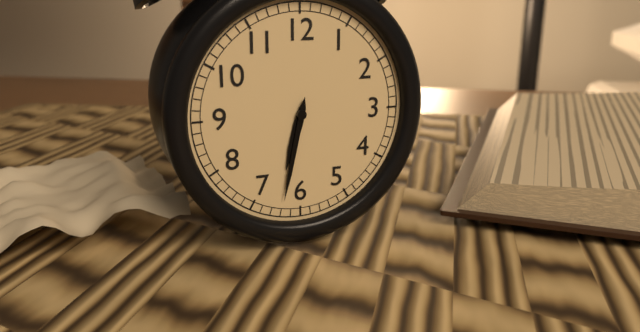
6:32
